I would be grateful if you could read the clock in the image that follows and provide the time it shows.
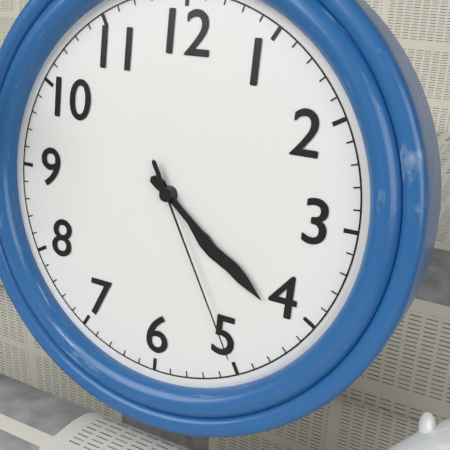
4:21:25
